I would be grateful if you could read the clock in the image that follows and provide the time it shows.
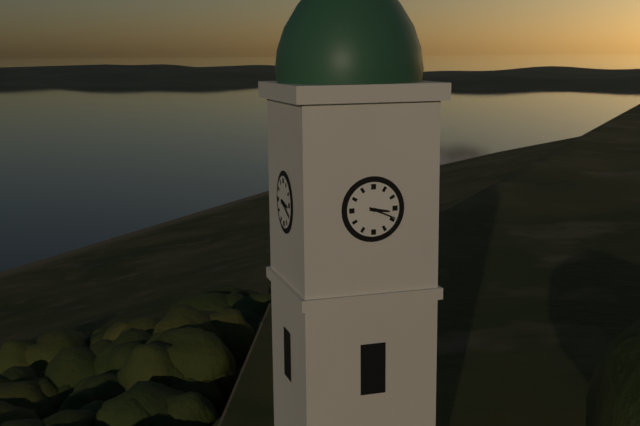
3:19
